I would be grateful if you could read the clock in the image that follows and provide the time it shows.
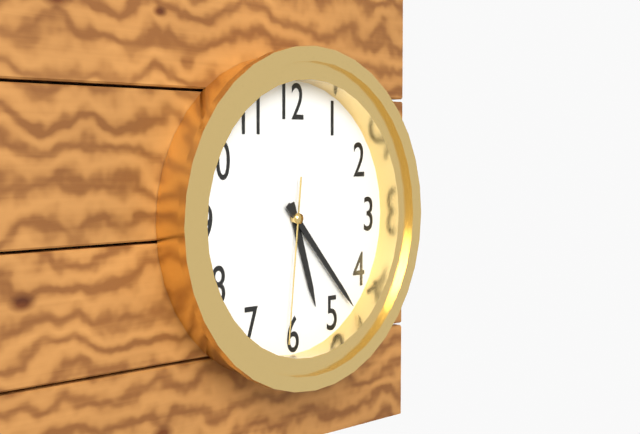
5:23:31
